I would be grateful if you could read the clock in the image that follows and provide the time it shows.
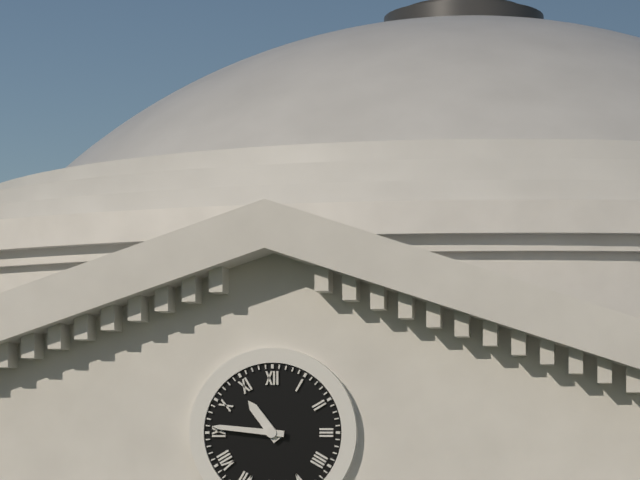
10:46
